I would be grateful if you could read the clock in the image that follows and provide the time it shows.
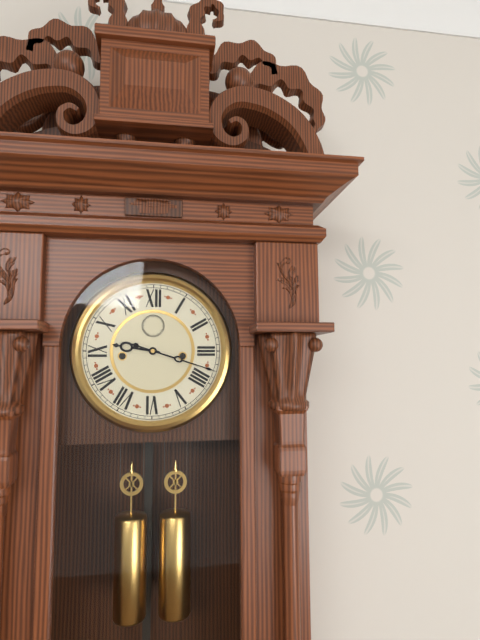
9:18
